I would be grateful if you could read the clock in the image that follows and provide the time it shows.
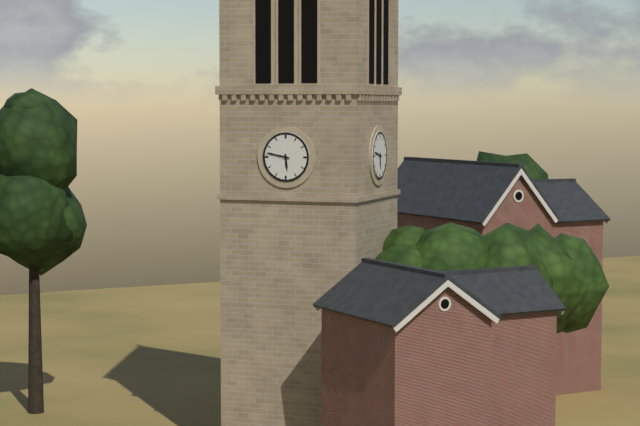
5:47
